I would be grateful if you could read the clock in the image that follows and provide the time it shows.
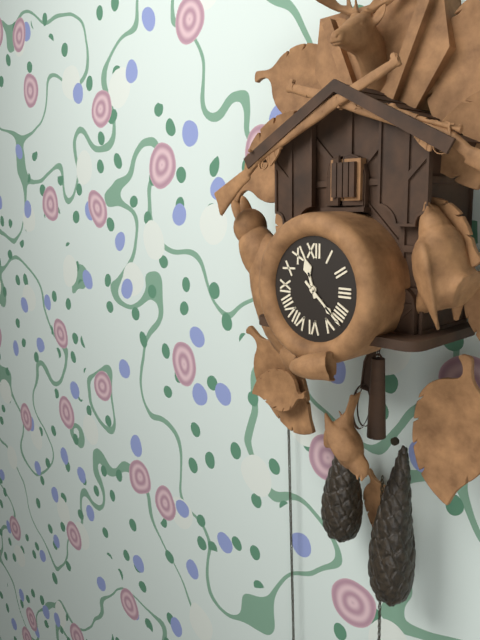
11:22
